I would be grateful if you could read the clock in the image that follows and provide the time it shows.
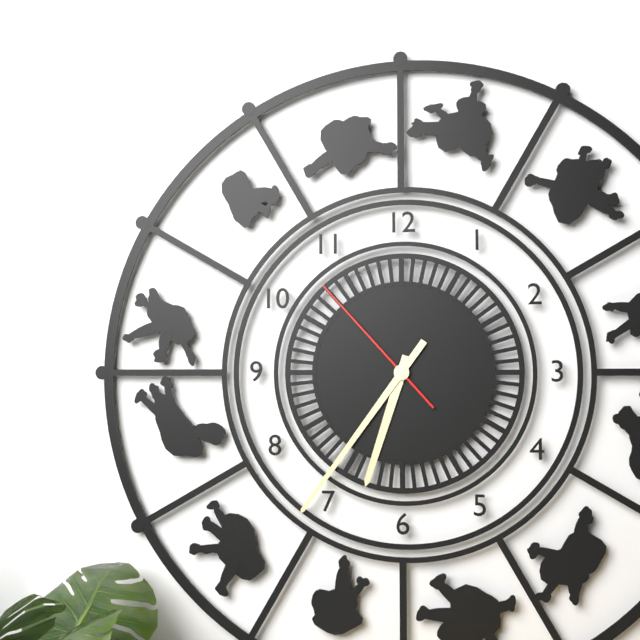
6:36:53
